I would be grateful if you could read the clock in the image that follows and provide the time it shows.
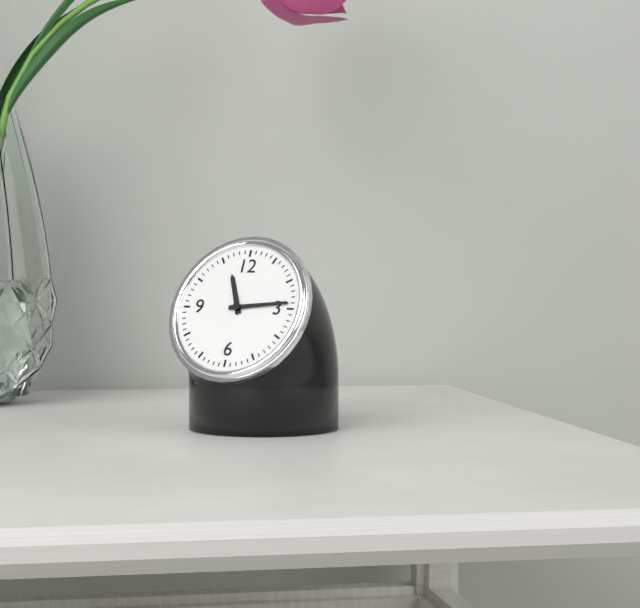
11:14
